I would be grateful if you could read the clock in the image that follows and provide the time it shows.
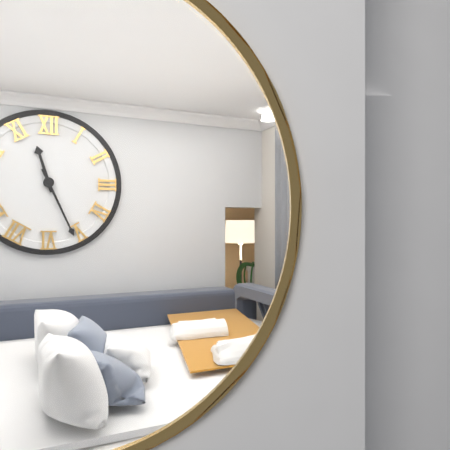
11:26
